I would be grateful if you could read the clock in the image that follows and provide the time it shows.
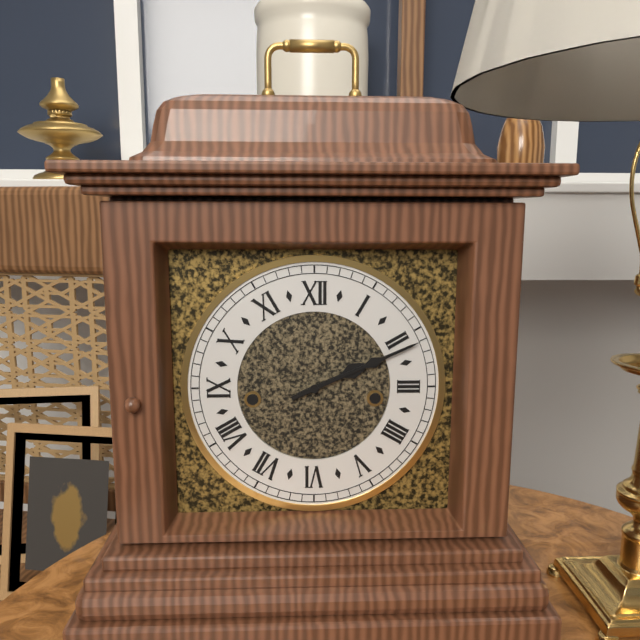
2:11
